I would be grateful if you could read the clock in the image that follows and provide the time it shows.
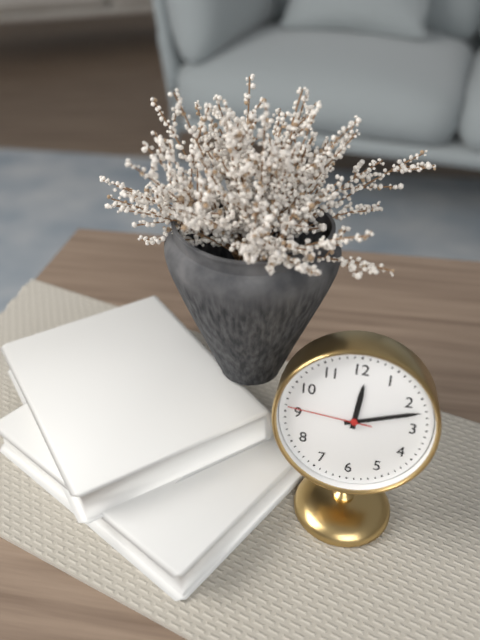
12:12:46
